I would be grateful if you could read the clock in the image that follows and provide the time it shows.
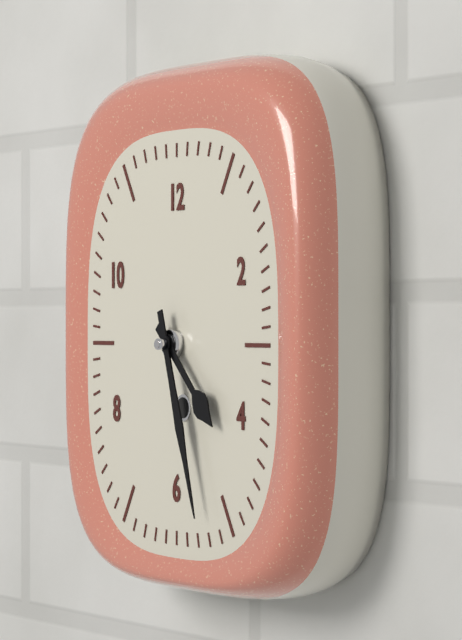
4:27
